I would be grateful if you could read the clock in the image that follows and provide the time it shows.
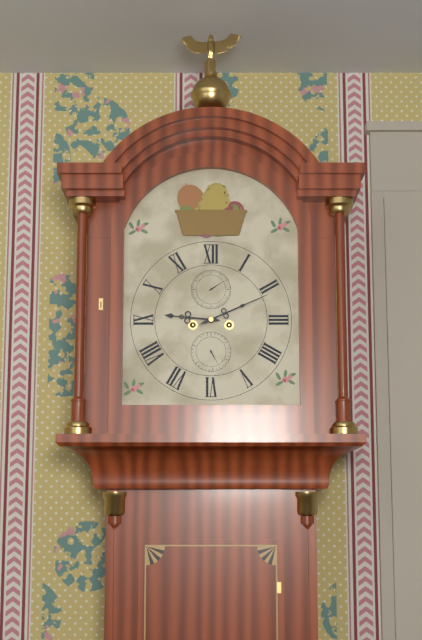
9:11
